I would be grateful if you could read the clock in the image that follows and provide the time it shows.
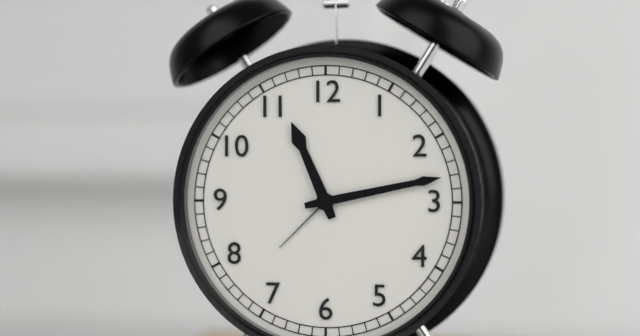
11:13
